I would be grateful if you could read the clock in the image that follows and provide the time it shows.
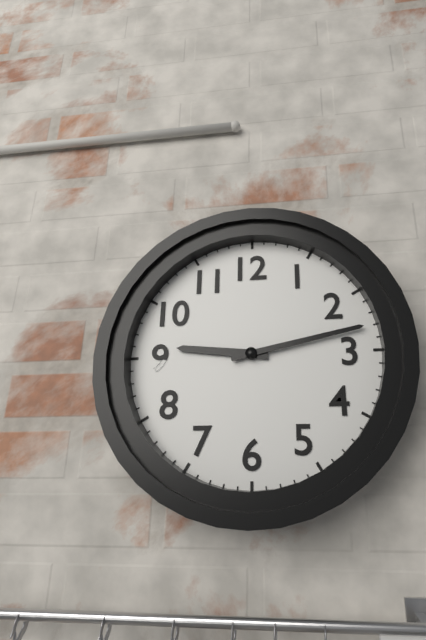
9:13
